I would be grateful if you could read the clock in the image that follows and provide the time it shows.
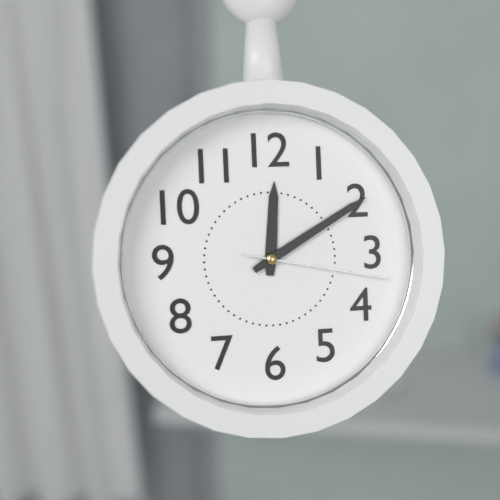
12:10:17
